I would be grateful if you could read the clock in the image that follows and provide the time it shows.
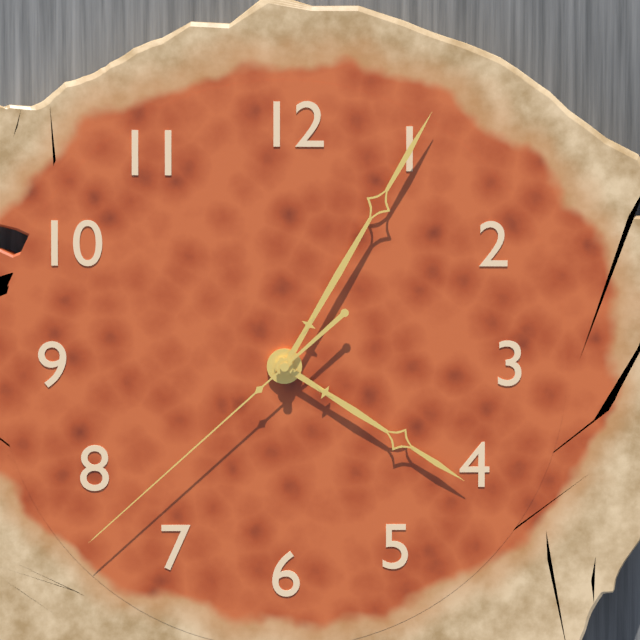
4:05:38
